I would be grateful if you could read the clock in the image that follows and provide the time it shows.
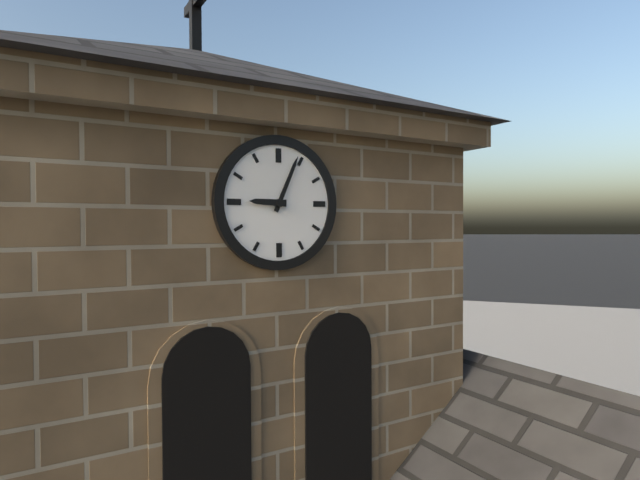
9:04
